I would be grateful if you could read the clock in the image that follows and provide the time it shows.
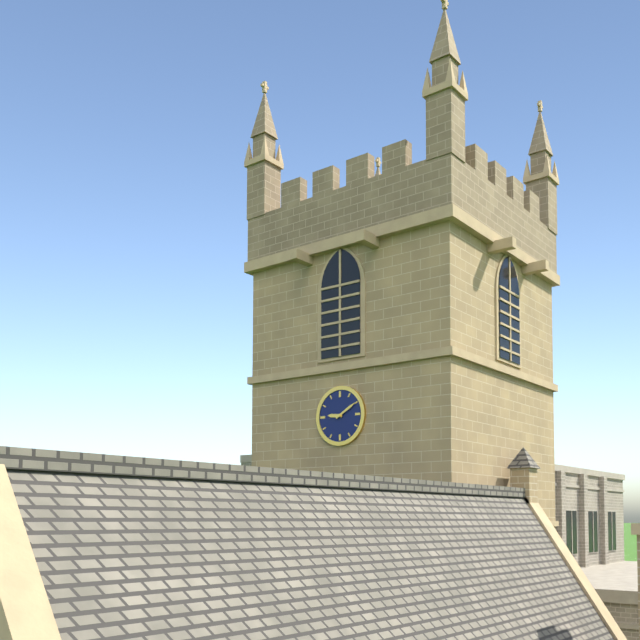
9:10
